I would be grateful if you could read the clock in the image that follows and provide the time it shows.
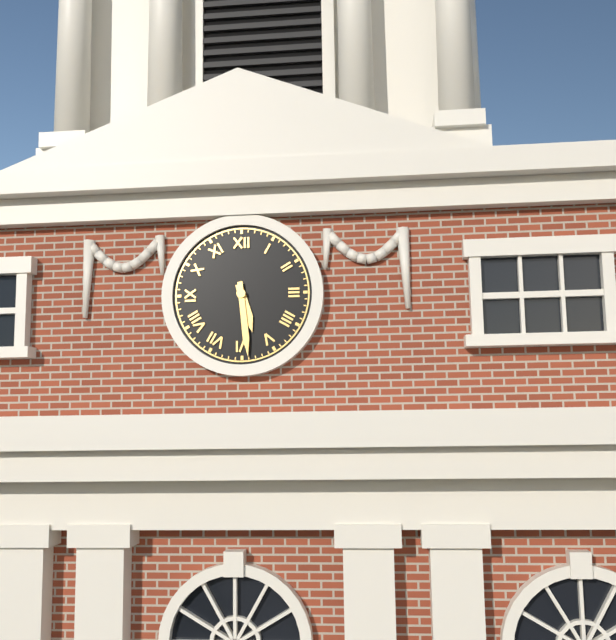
5:29
